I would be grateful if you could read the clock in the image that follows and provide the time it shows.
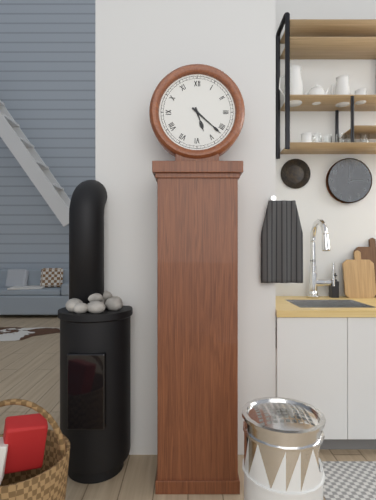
5:22
